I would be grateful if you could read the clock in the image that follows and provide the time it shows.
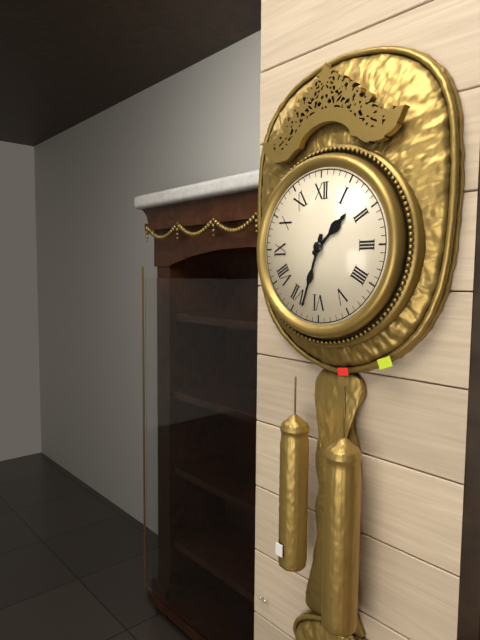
1:33
